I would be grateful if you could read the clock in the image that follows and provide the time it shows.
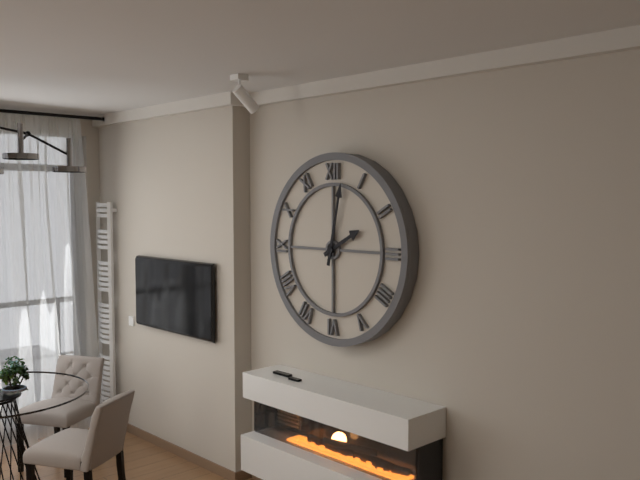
2:02
